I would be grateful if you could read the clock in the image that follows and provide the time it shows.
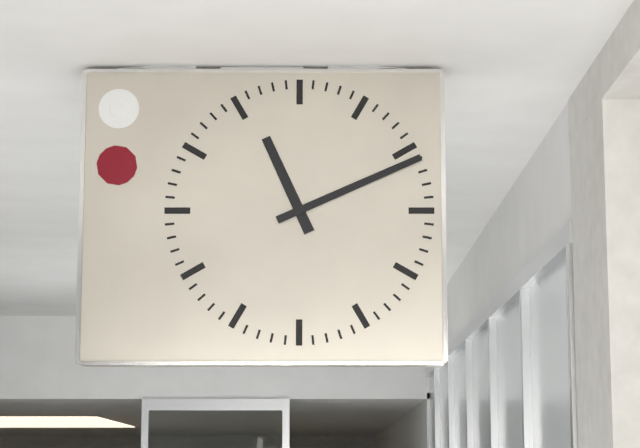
11:11
